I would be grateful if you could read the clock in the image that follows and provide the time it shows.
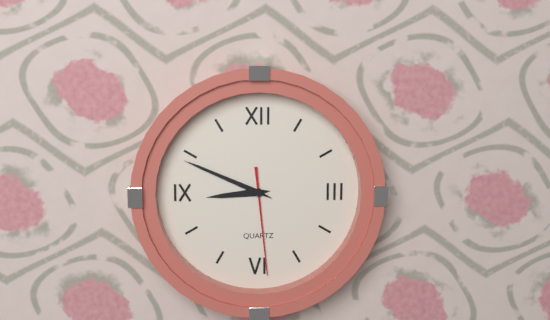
8:49:29
